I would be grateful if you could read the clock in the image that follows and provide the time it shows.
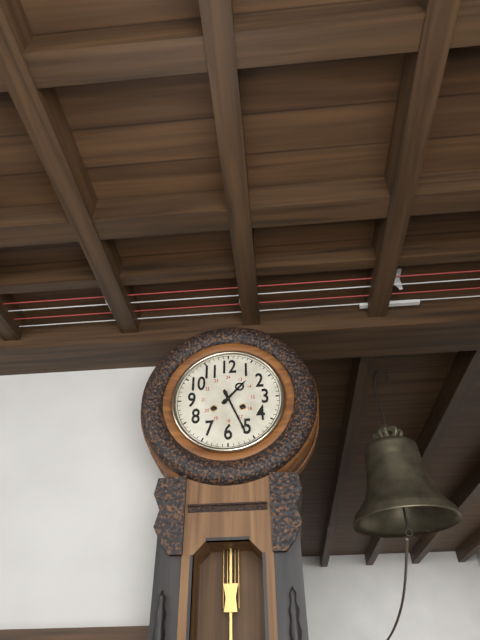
1:26
